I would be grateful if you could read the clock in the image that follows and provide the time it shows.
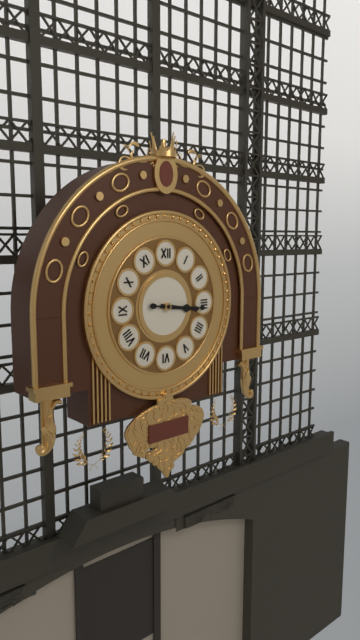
3:16
